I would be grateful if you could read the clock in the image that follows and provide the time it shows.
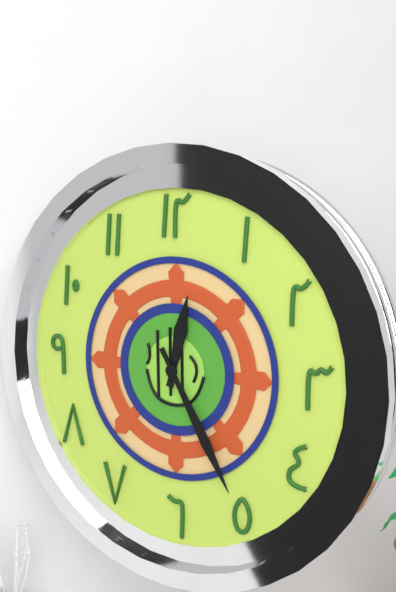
12:25
